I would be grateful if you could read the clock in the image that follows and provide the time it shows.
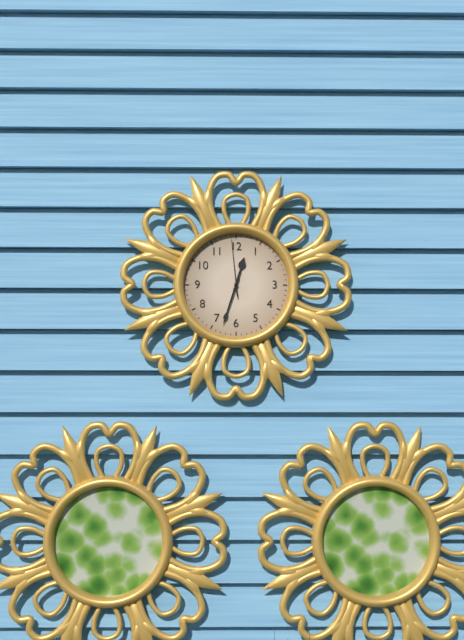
12:33:59
